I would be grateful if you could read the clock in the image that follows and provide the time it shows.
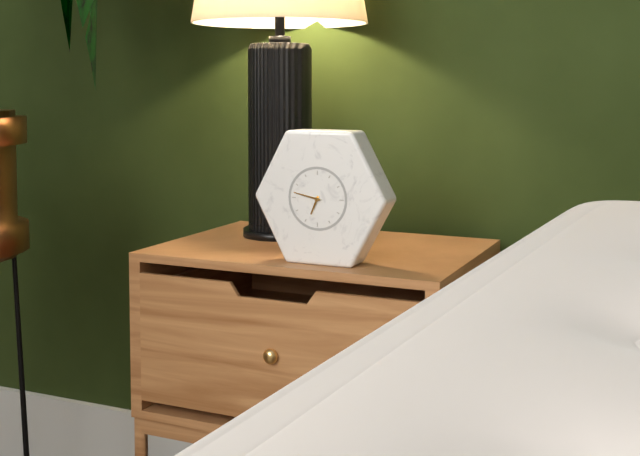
6:47
